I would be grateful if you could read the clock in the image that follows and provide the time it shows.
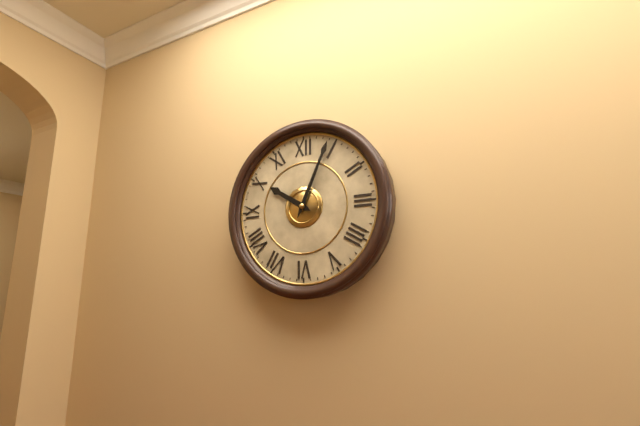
10:04
